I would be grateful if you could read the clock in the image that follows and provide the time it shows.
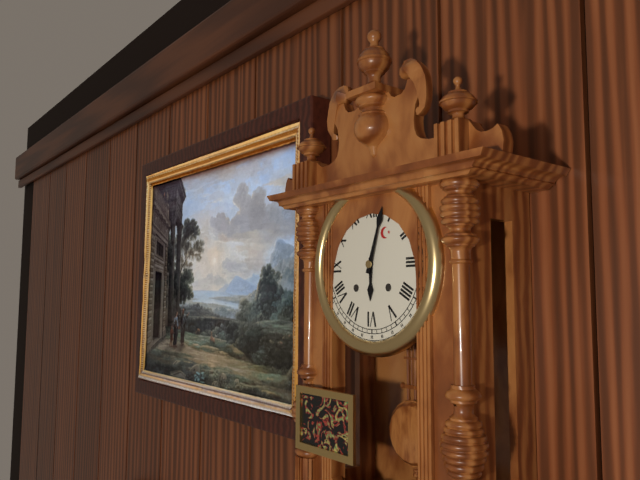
6:03
